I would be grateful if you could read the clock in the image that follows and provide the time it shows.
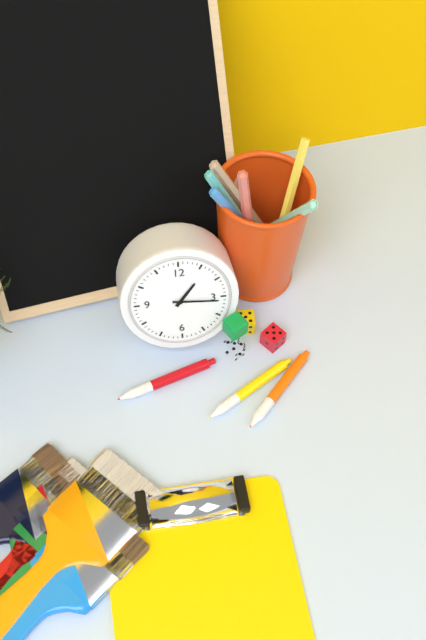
1:16
